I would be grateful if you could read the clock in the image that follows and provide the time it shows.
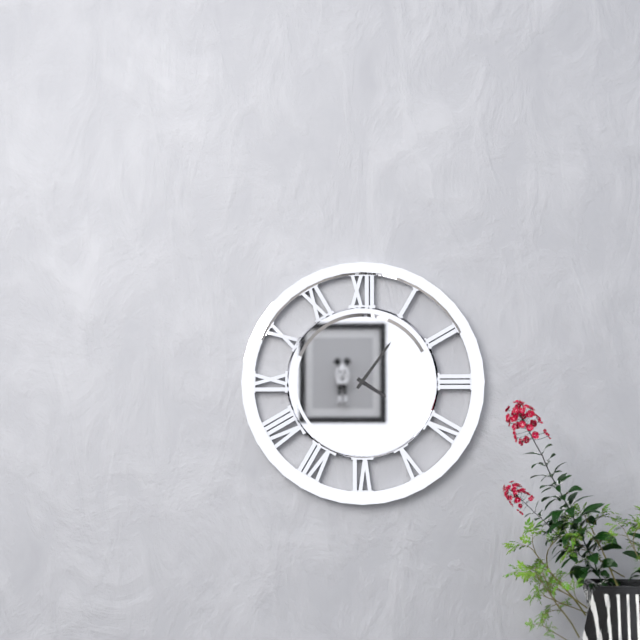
4:06
